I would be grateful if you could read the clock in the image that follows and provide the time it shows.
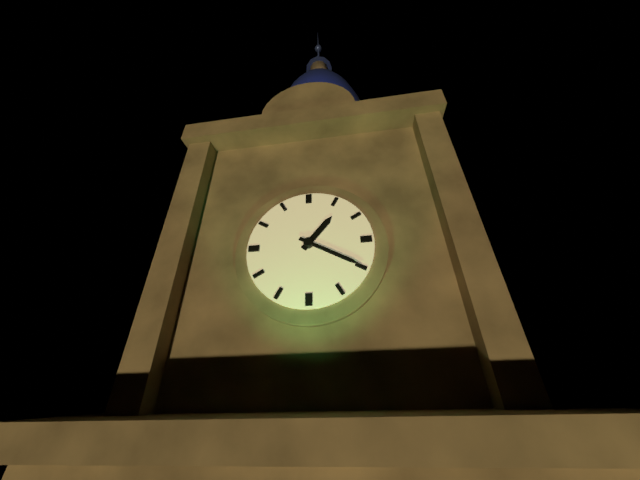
1:20
